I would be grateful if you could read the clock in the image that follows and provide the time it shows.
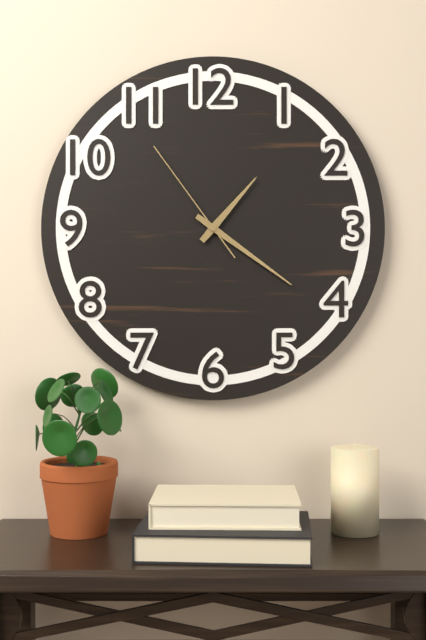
1:21:54
